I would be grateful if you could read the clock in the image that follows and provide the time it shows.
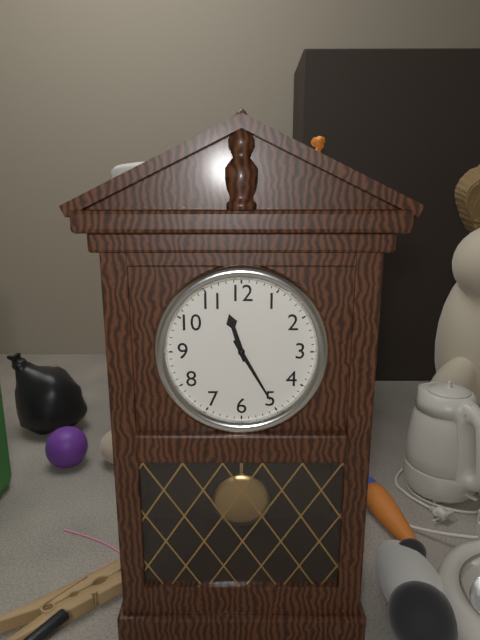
11:25
